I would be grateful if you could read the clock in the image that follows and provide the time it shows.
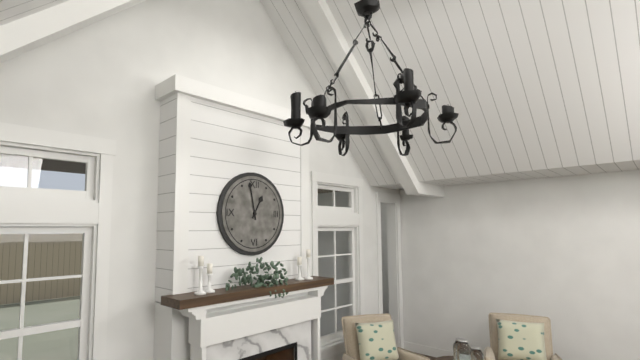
12:58
